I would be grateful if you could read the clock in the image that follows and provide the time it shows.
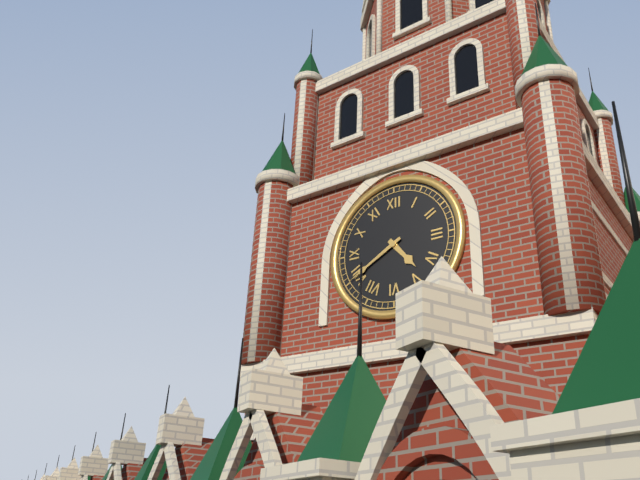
4:40
